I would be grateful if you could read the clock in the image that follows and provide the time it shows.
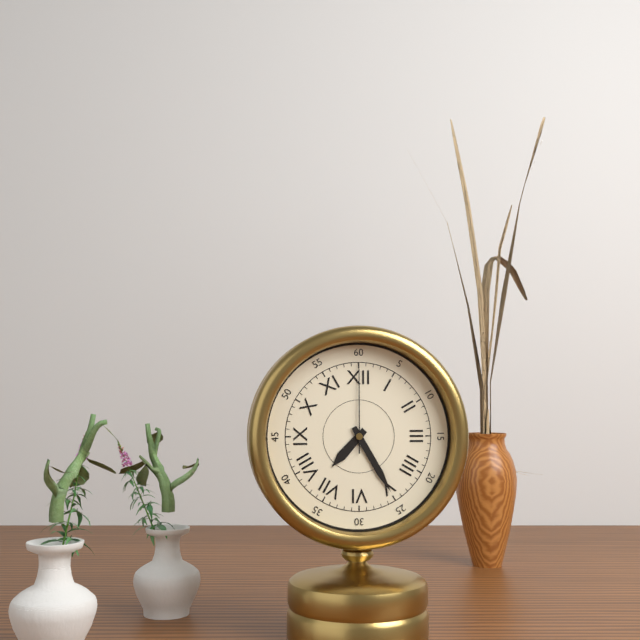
7:25:00
